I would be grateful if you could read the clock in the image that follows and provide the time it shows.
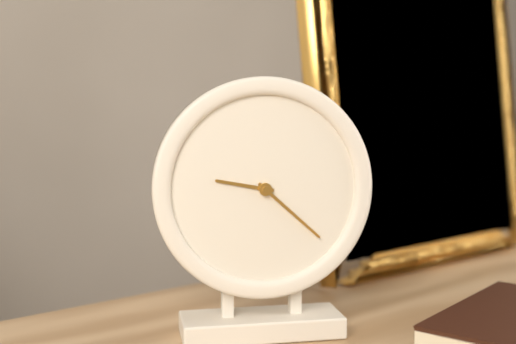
9:22
